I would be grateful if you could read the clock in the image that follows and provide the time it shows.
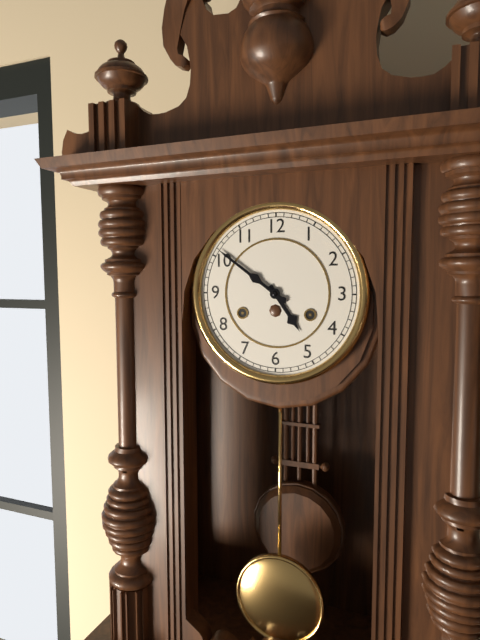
4:51
